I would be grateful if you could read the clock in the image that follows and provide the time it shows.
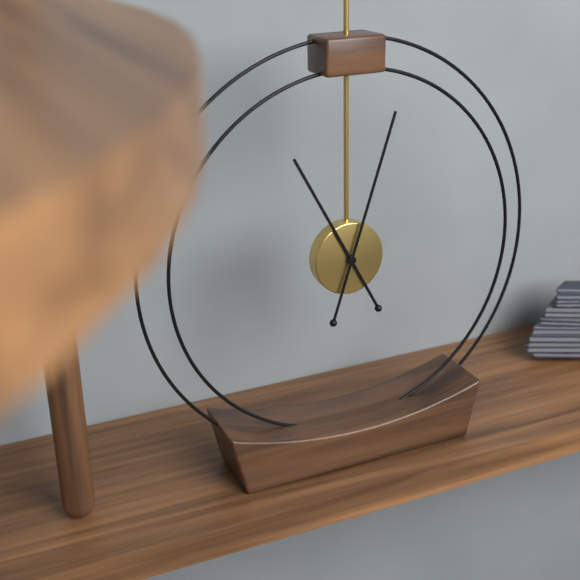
11:03
